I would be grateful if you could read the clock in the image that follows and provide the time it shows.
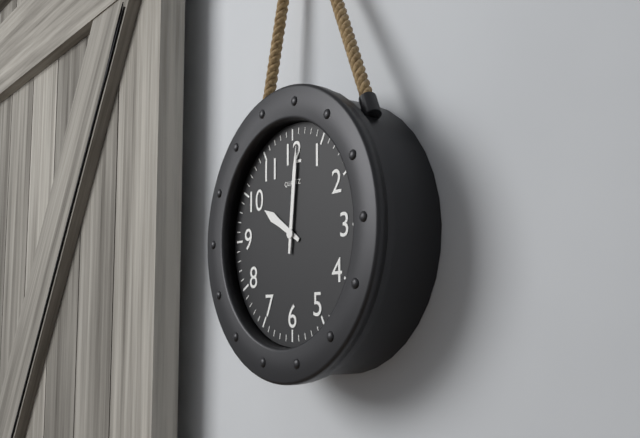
10:01
